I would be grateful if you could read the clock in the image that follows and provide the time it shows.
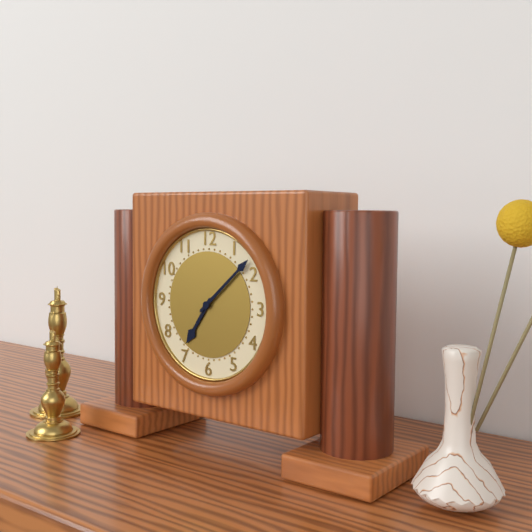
7:08
